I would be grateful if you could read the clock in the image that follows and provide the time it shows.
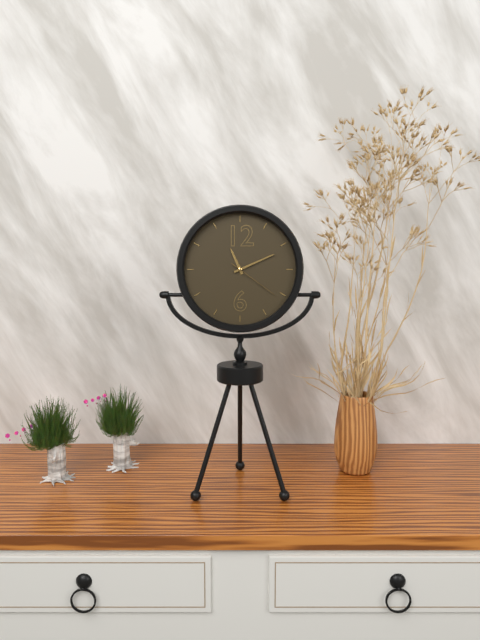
11:11:21
